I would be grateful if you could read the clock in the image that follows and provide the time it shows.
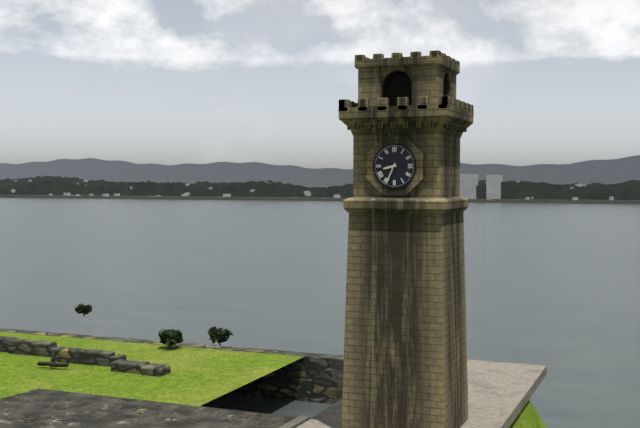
8:34
